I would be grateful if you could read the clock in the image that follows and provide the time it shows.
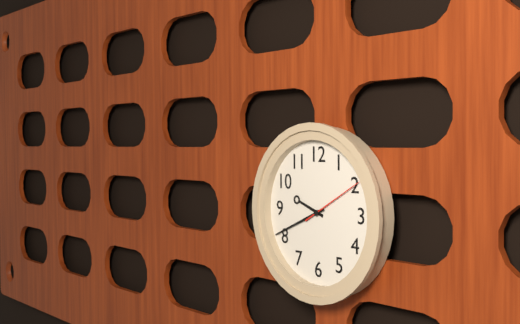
9:41:10
